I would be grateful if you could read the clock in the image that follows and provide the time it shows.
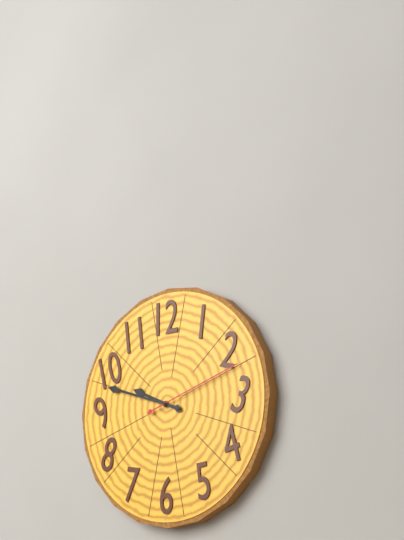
9:48:12
